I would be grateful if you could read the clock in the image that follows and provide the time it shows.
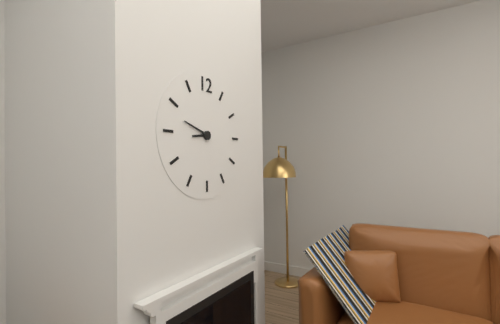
8:48
